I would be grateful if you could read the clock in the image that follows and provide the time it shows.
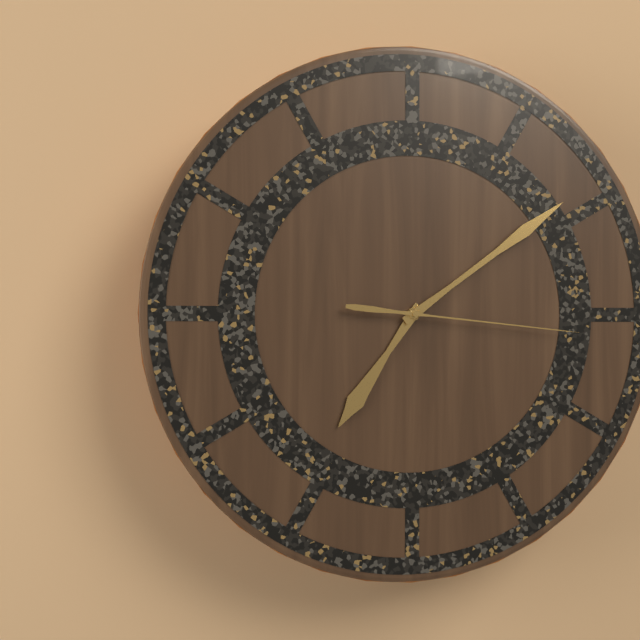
7:09:16
